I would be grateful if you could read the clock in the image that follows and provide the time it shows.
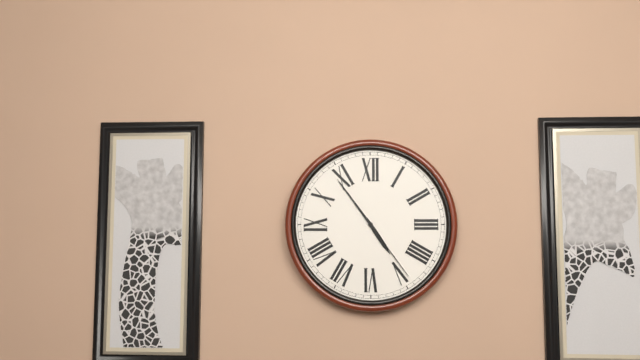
4:54:24
